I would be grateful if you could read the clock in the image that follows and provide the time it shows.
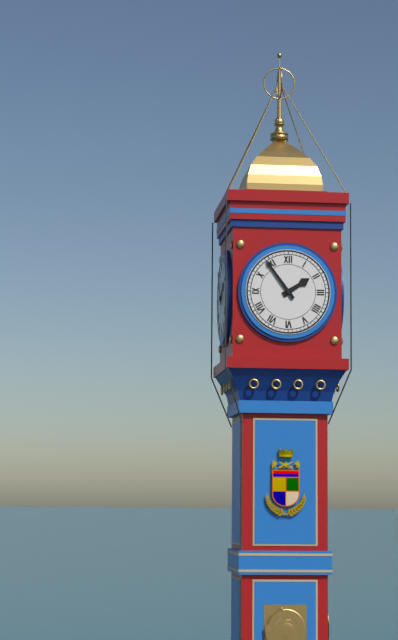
1:54
